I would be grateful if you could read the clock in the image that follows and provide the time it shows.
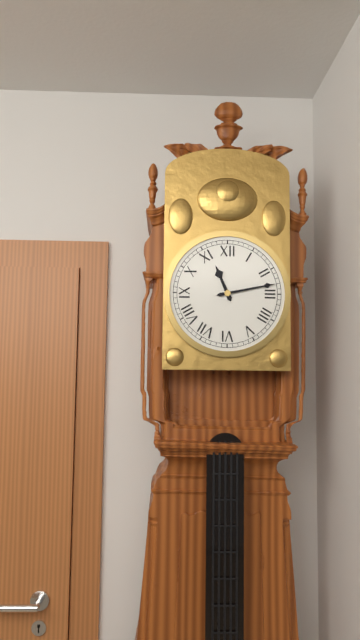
11:13
